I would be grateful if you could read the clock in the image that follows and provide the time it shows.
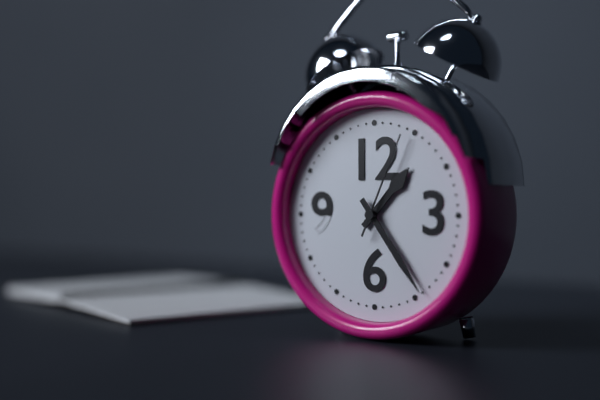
1:24:04
